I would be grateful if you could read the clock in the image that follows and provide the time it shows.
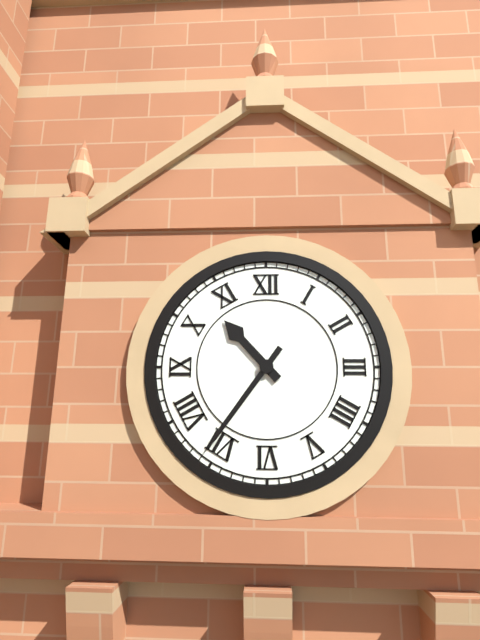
10:36
